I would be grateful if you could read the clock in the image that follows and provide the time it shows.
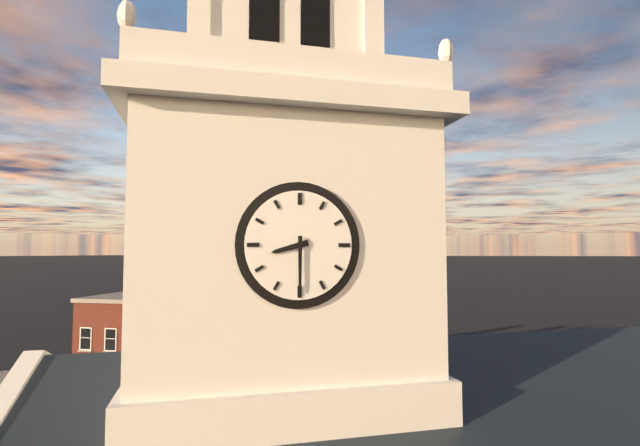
8:30
